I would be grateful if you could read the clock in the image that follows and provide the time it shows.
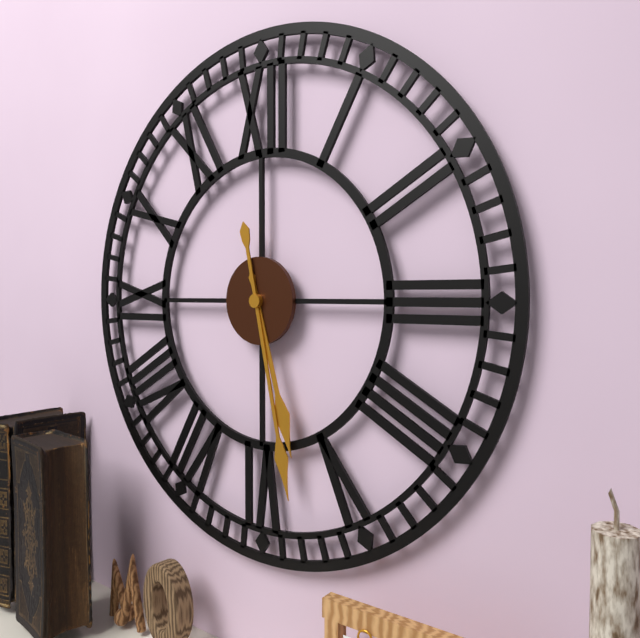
5:28
